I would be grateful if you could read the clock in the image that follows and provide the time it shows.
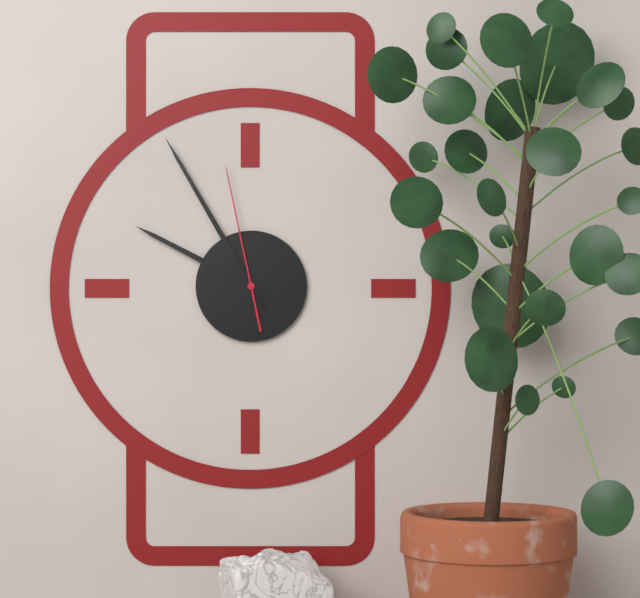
9:55:58
